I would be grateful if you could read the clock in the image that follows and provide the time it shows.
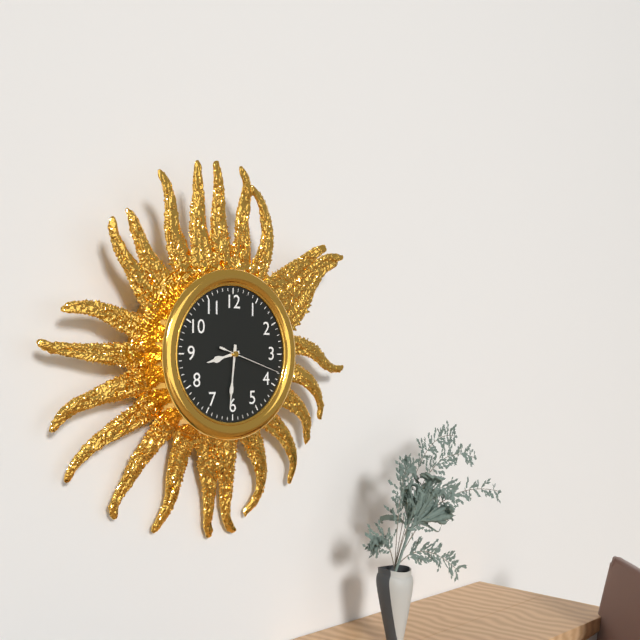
8:31:18
